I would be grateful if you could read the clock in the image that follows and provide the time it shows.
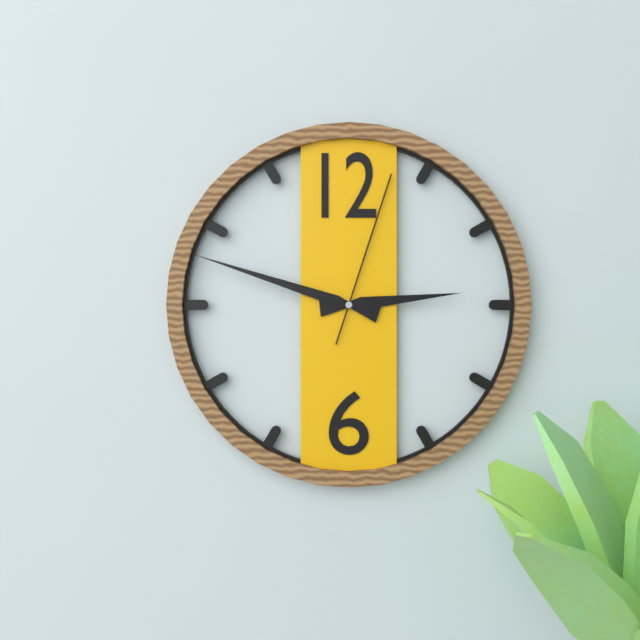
2:48:03
